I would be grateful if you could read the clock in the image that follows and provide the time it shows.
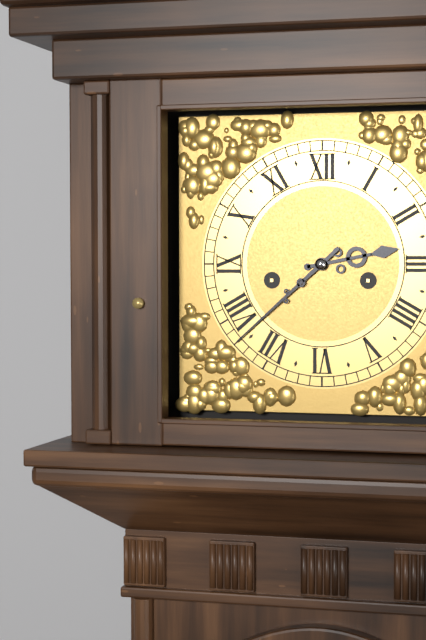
2:38
